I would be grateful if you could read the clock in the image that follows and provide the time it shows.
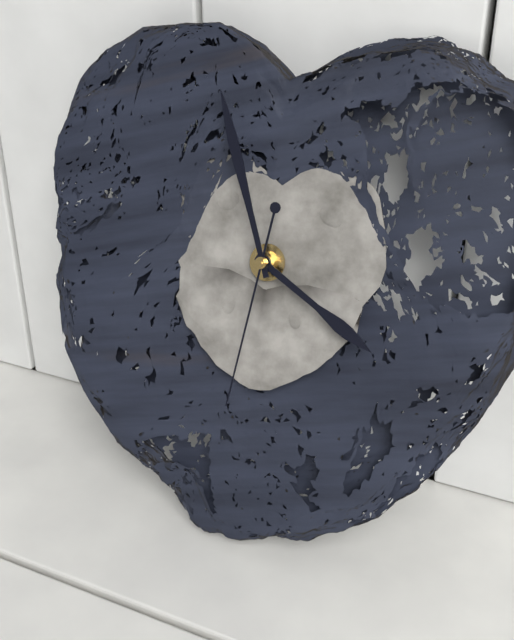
3:56:31
